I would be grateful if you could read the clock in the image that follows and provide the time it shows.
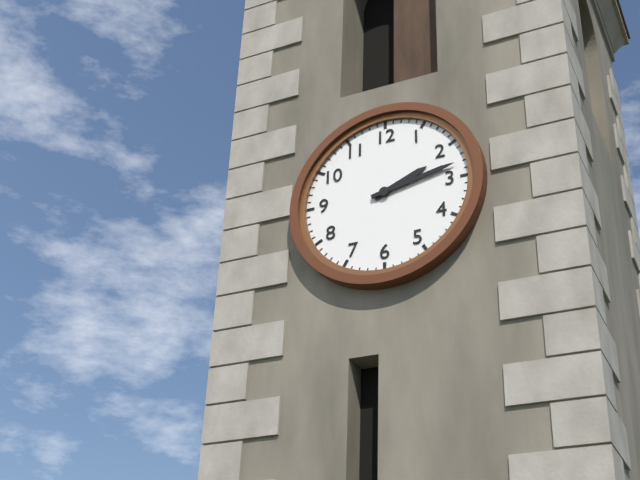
2:13
